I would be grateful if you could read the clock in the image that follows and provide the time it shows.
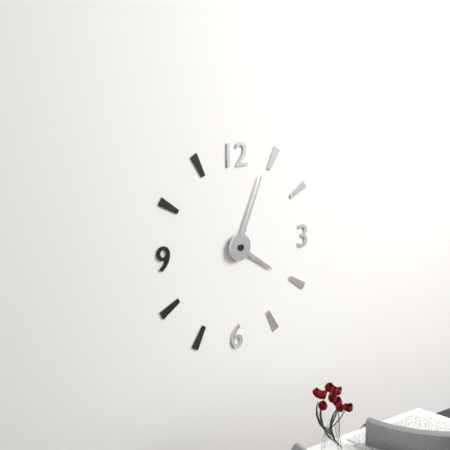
4:04
